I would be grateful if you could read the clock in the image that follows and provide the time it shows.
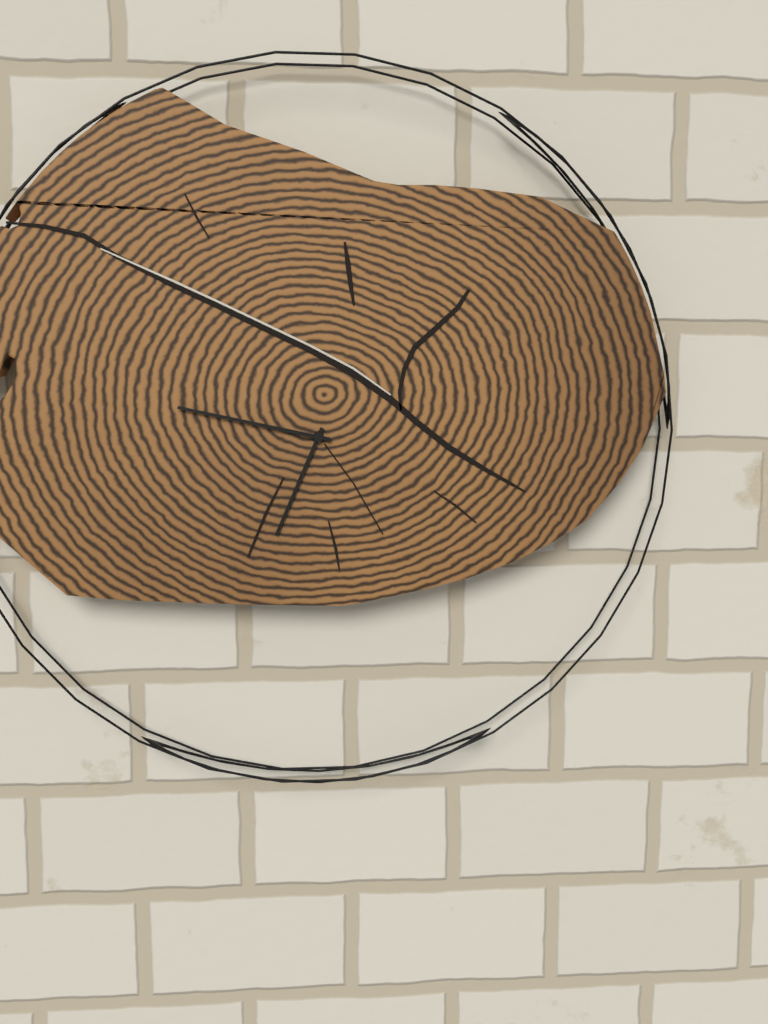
6:47
